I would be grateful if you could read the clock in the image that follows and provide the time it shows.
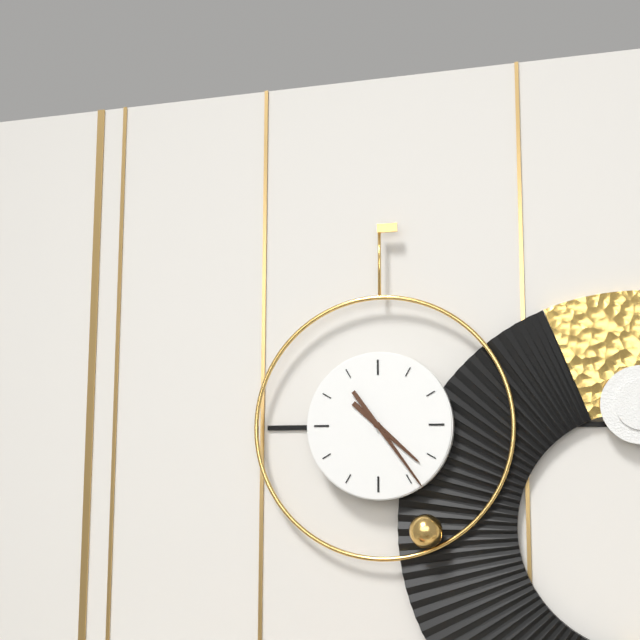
4:24
